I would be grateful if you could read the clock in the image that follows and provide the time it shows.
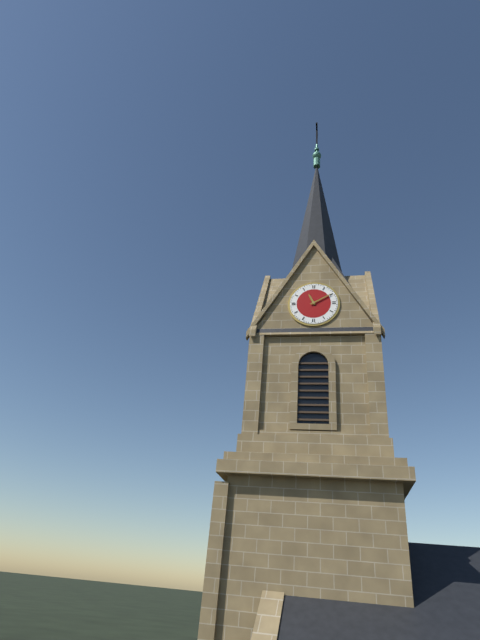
11:10
